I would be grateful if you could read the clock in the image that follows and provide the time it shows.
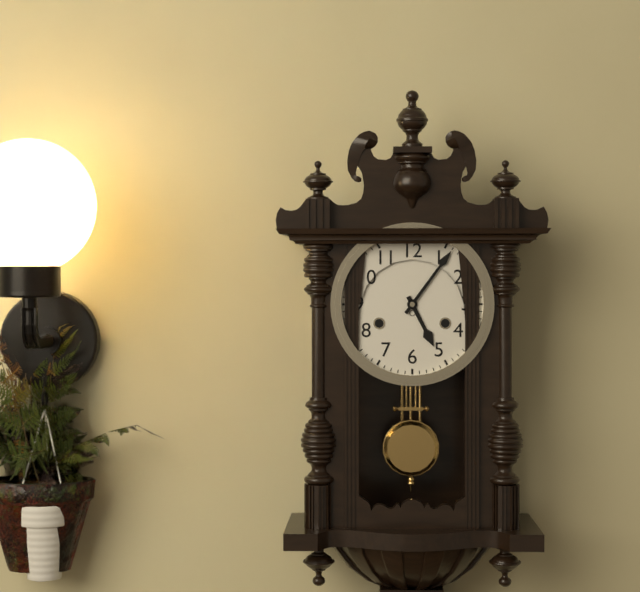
5:06
